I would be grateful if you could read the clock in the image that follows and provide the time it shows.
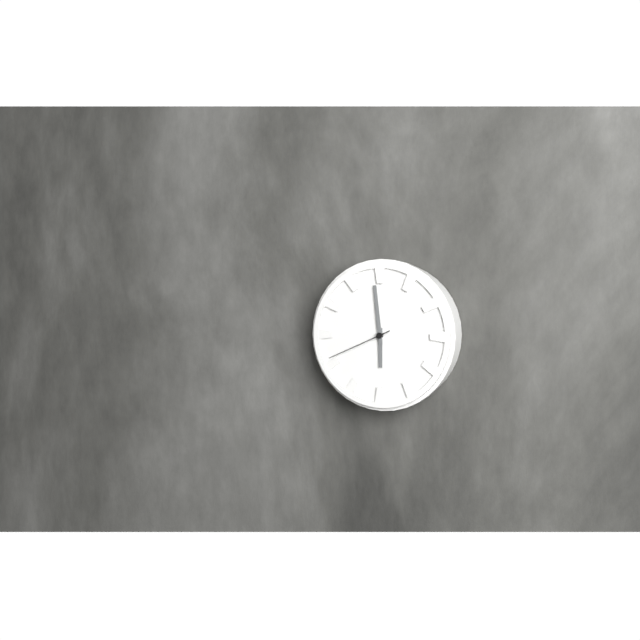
5:59:41
